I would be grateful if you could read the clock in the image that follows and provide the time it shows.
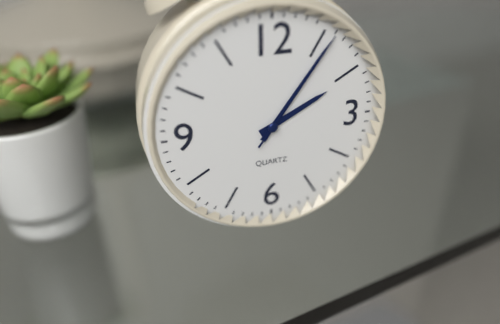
2:06:06
